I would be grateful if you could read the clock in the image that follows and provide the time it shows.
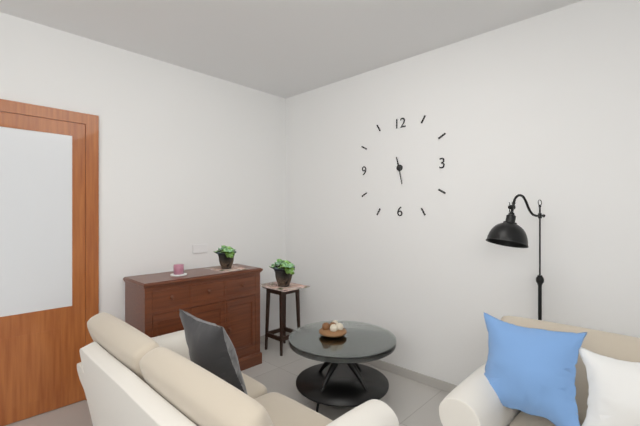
11:28
